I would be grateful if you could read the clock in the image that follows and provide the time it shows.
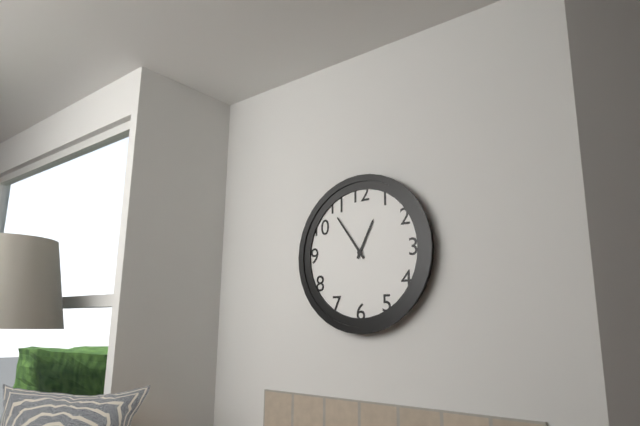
12:54
